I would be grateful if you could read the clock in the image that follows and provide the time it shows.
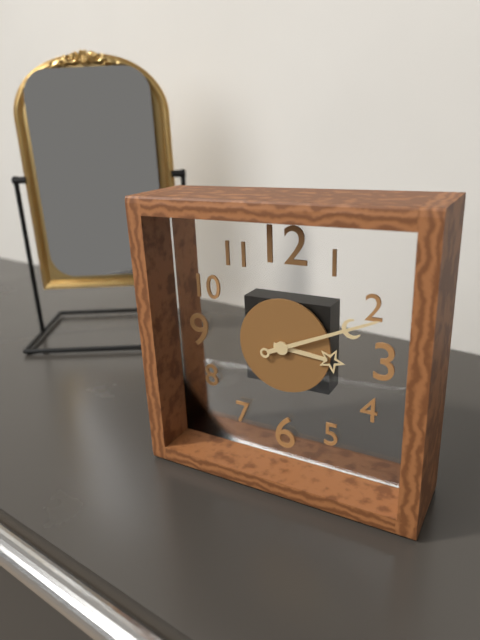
3:11
